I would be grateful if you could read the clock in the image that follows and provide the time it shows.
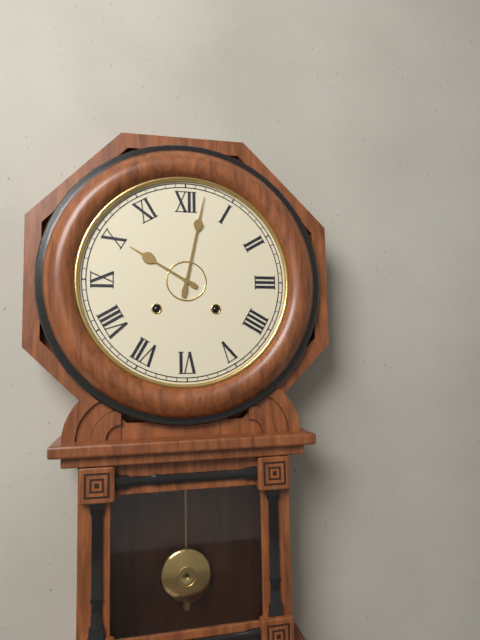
10:02
